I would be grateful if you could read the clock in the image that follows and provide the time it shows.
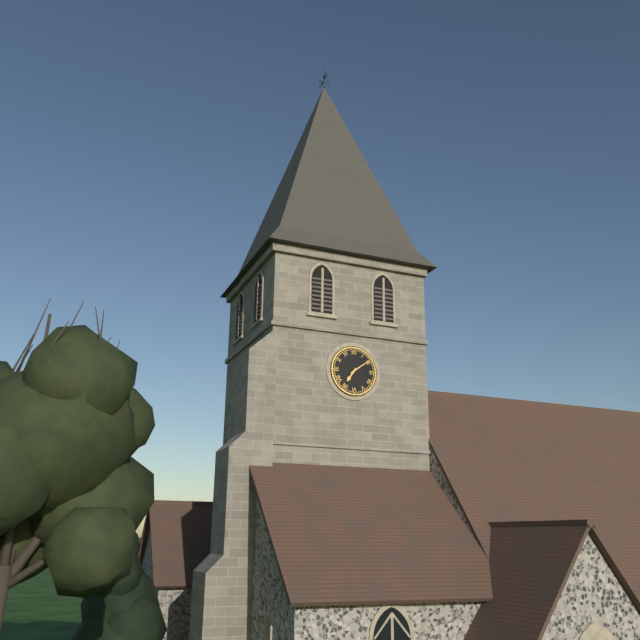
7:09
